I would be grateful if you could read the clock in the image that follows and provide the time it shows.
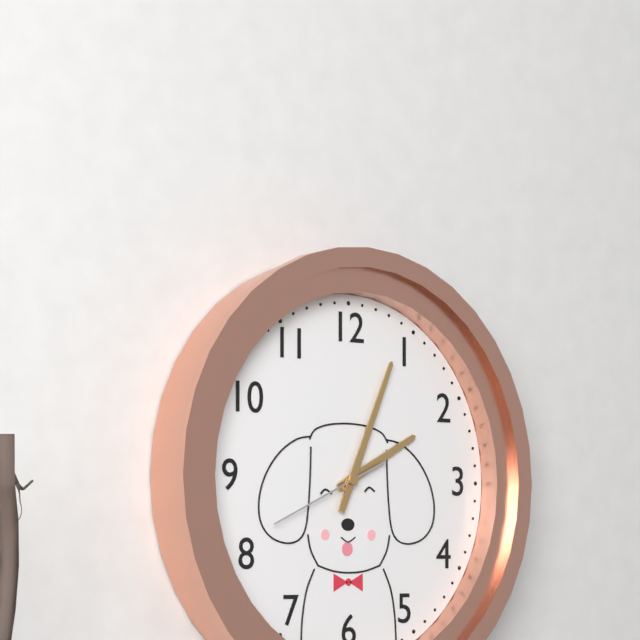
2:04:41
